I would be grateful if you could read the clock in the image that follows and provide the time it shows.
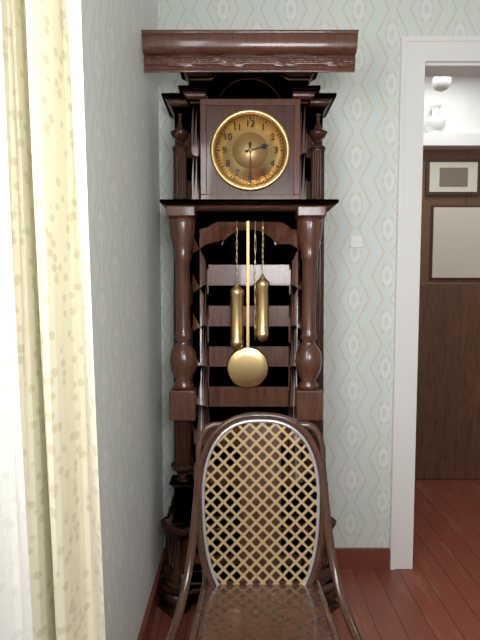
2:30
